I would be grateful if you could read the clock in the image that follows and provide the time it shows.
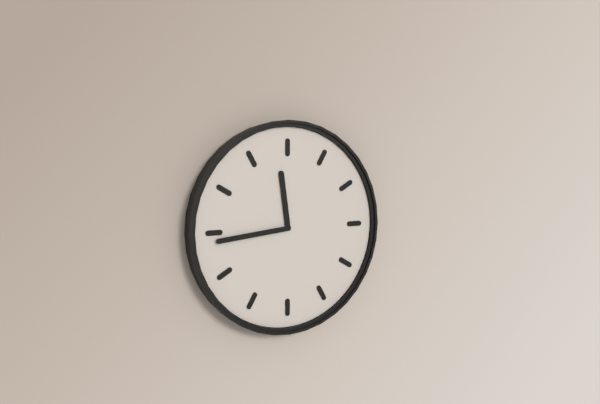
11:44
